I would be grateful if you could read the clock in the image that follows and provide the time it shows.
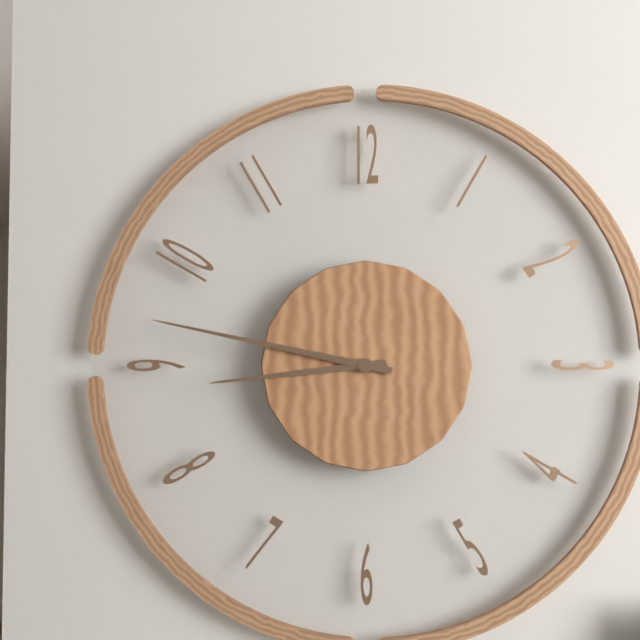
8:47
